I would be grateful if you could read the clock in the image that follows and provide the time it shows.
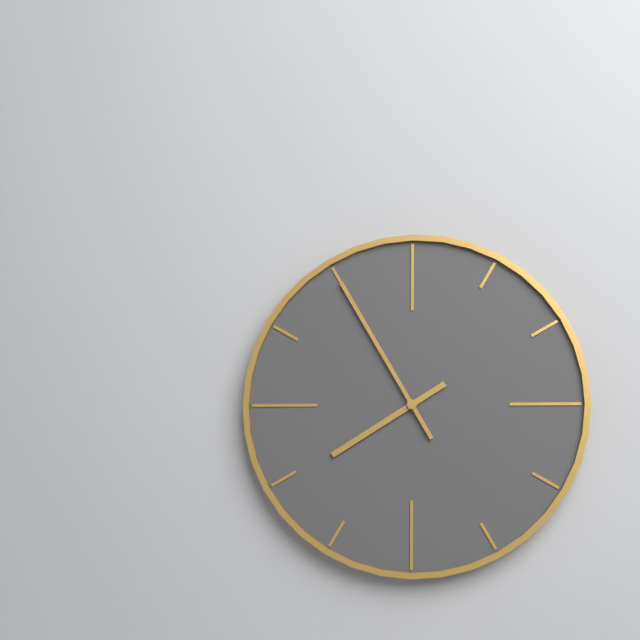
7:55
